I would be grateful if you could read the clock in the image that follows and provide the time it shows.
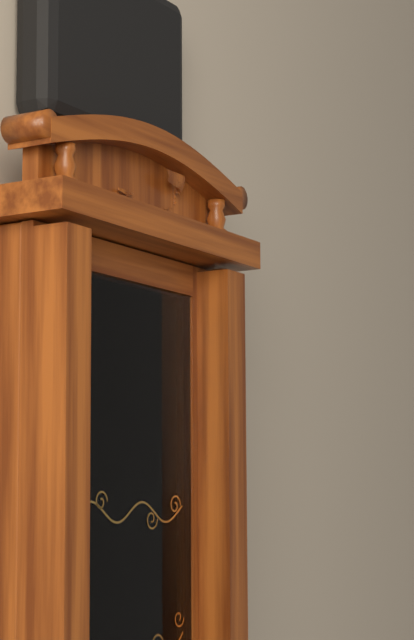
10:51:26
